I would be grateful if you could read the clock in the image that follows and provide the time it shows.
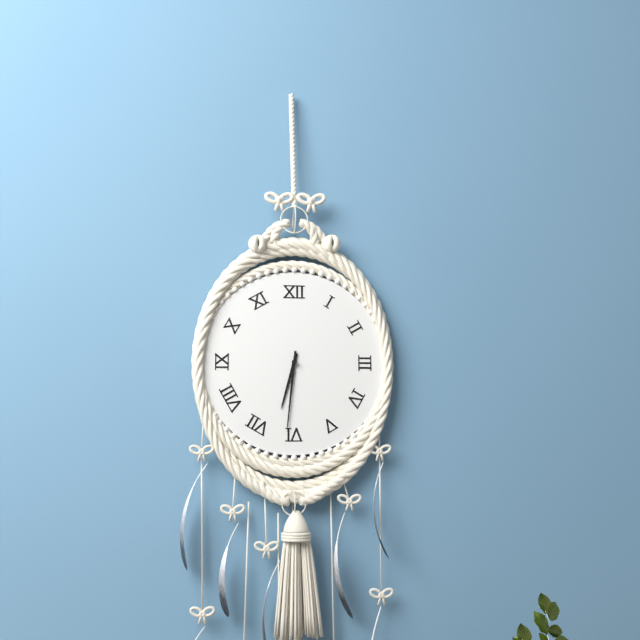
6:31
